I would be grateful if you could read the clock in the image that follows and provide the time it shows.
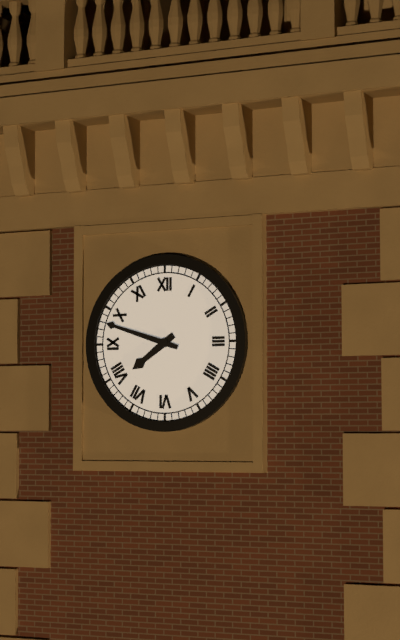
7:48
